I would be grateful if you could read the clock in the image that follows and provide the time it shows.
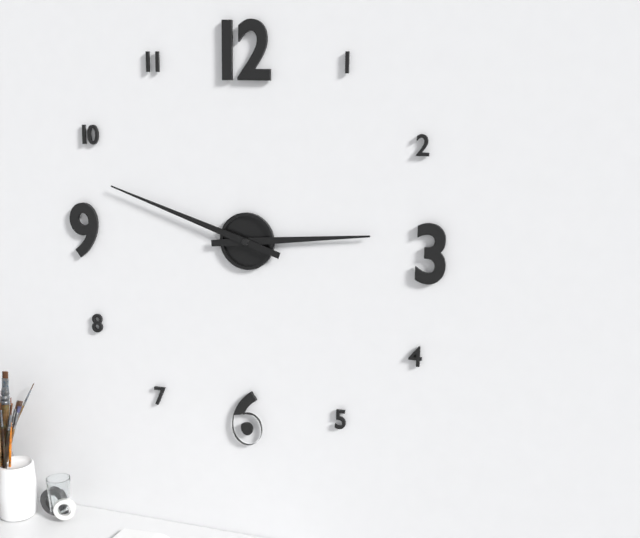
2:48
